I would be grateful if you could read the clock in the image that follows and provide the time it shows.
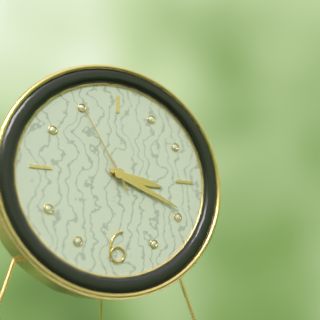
3:19:55
